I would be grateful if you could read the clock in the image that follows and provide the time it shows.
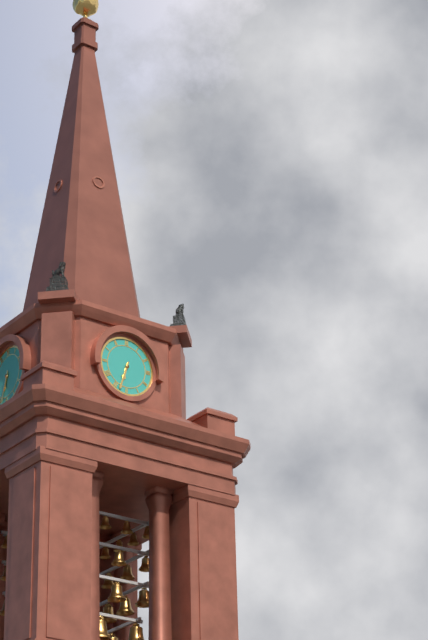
6:33
